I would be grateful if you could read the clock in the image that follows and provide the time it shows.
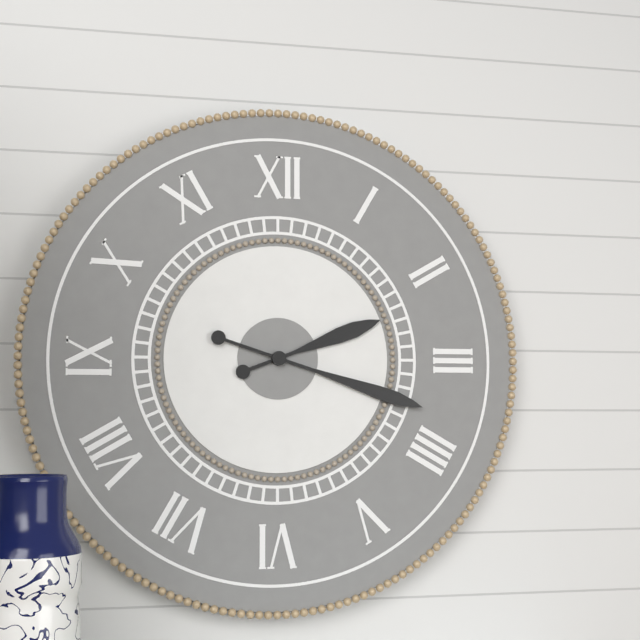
2:18
